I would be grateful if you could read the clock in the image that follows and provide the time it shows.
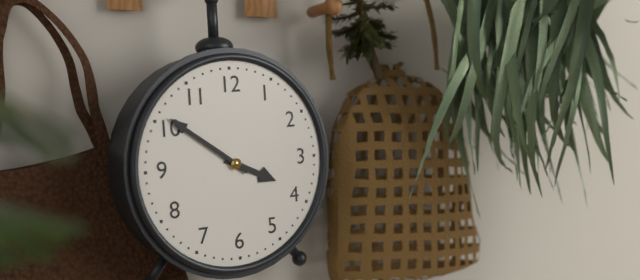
3:51
